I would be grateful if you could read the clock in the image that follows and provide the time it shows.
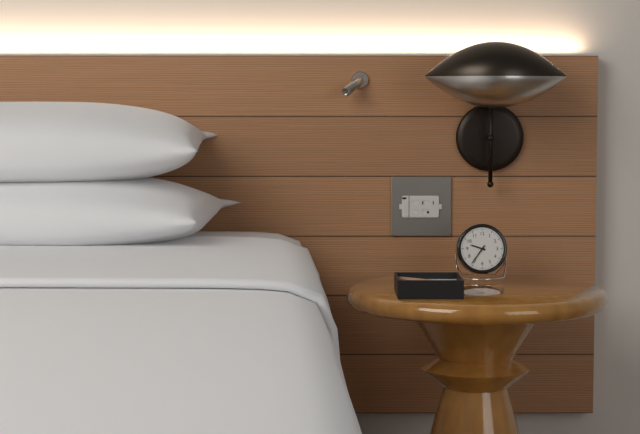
9:36
